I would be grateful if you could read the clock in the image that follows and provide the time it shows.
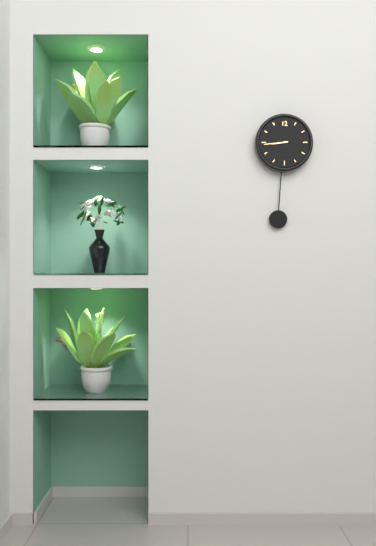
8:44
